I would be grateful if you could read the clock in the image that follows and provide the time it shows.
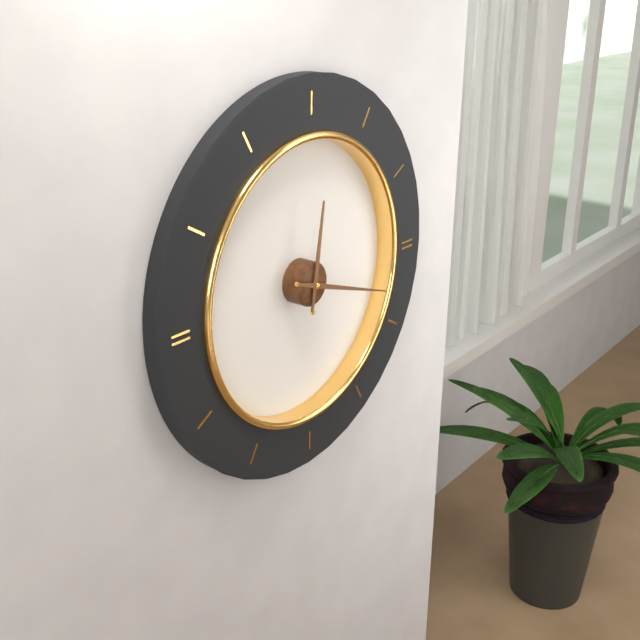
12:18
